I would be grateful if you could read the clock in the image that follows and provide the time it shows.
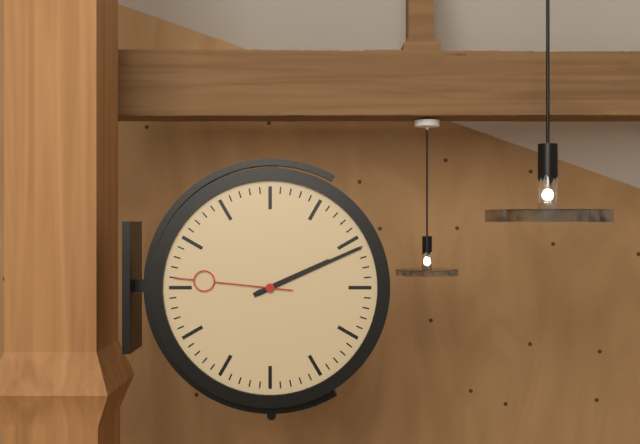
2:11:46
